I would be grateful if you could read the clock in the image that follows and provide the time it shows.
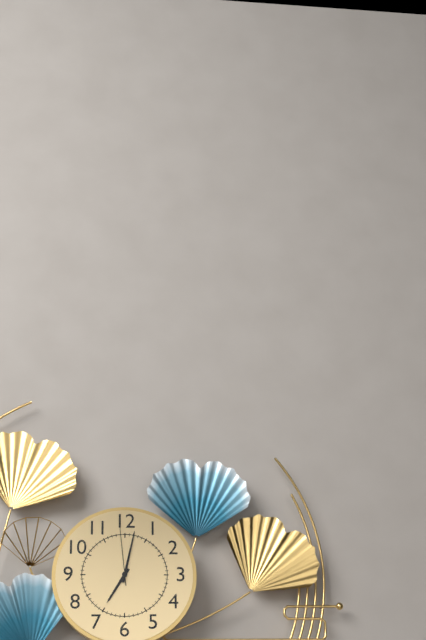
7:02:59
